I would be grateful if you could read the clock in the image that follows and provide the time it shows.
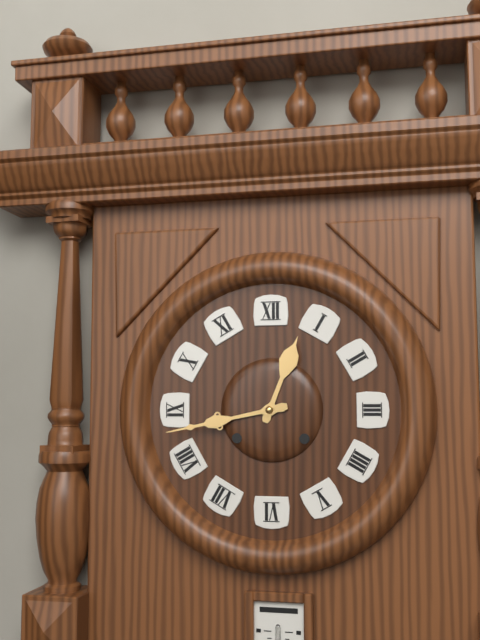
12:43
